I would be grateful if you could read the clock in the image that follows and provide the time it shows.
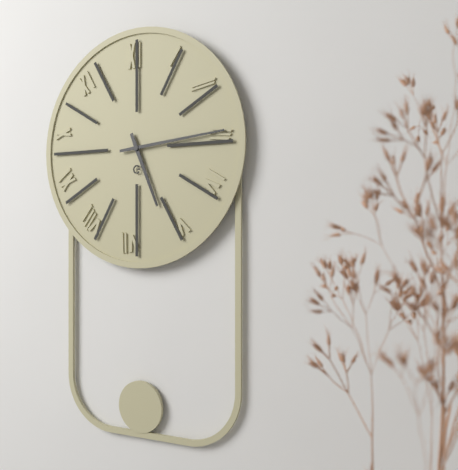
5:14
